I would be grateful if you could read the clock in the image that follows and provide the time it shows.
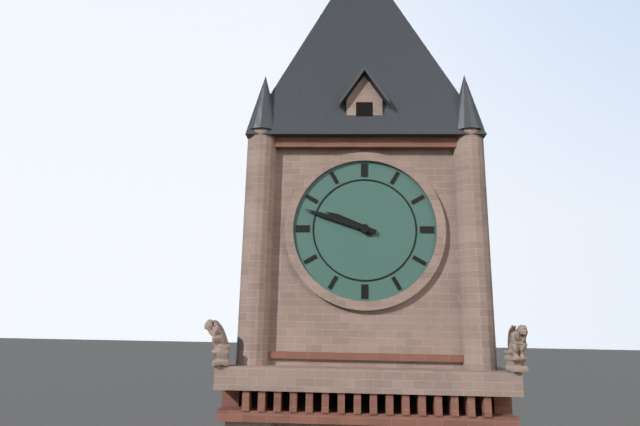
9:48
